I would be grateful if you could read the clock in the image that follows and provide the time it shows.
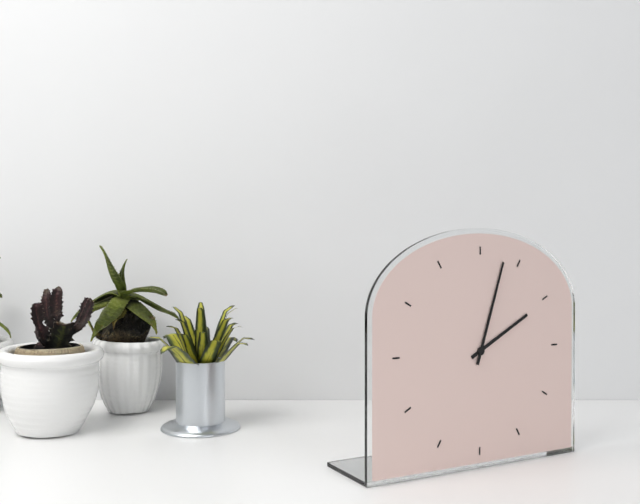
2:03
